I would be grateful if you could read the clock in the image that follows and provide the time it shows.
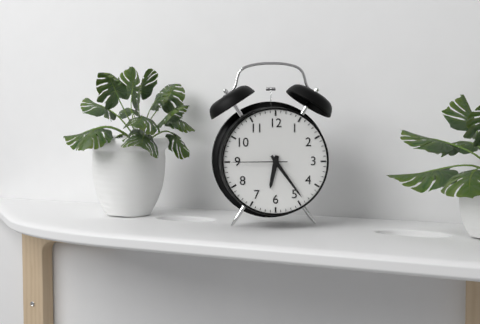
6:24:45
